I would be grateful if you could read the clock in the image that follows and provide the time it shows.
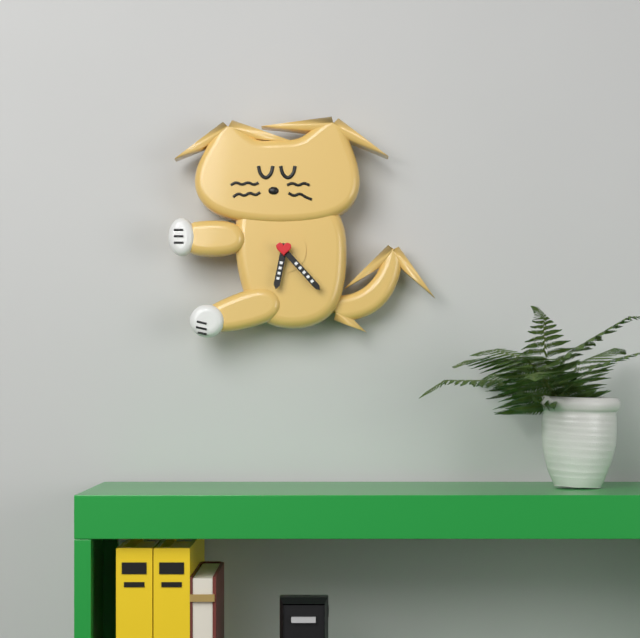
6:23
